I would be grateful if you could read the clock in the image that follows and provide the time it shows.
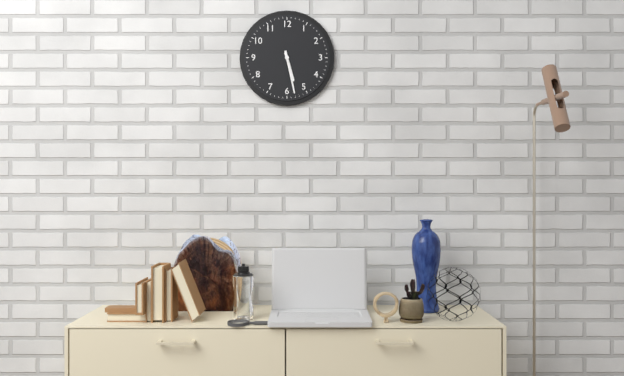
5:28
